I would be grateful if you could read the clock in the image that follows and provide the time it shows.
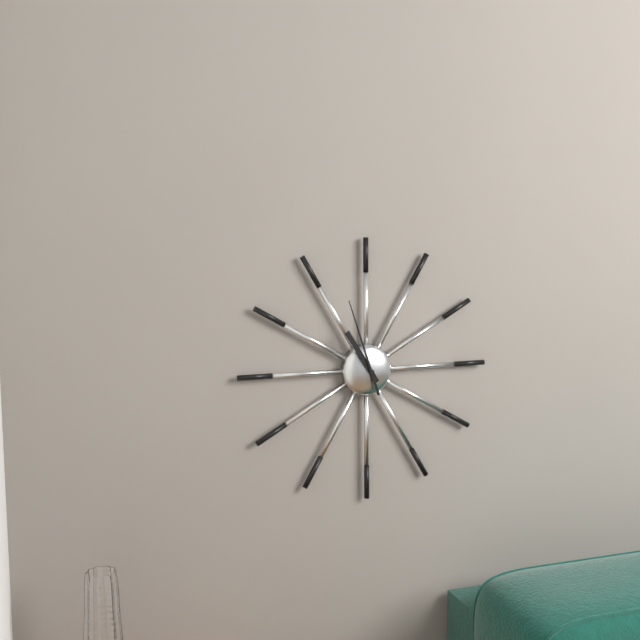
10:57
